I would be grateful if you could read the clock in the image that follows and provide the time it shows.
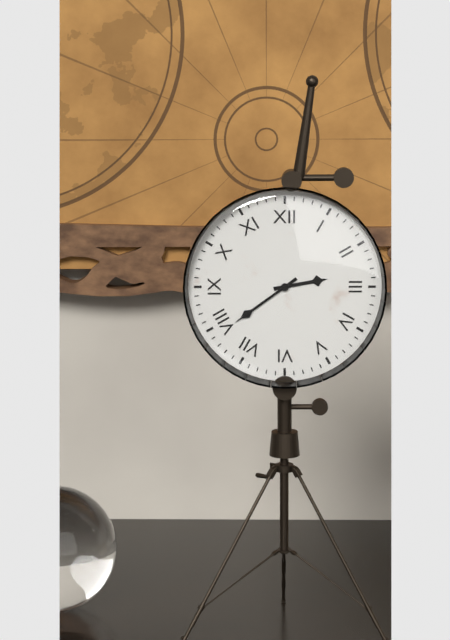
2:39
